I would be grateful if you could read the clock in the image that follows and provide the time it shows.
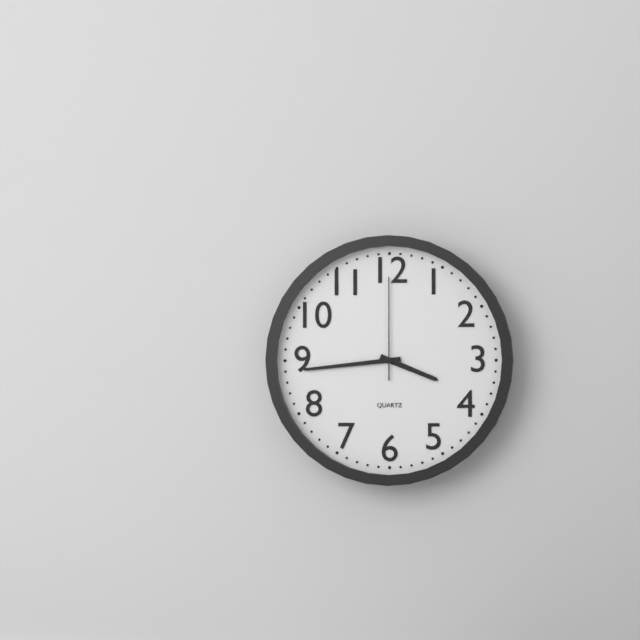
3:44:00
